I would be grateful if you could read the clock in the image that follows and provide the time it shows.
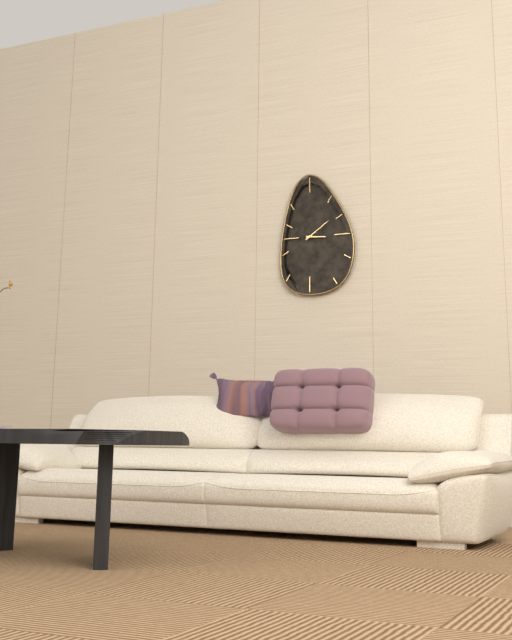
3:09
